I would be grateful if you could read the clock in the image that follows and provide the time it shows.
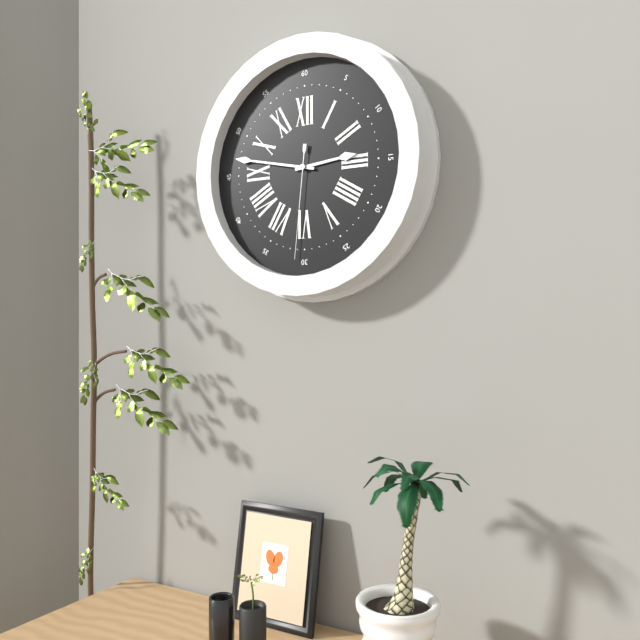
2:47:31
